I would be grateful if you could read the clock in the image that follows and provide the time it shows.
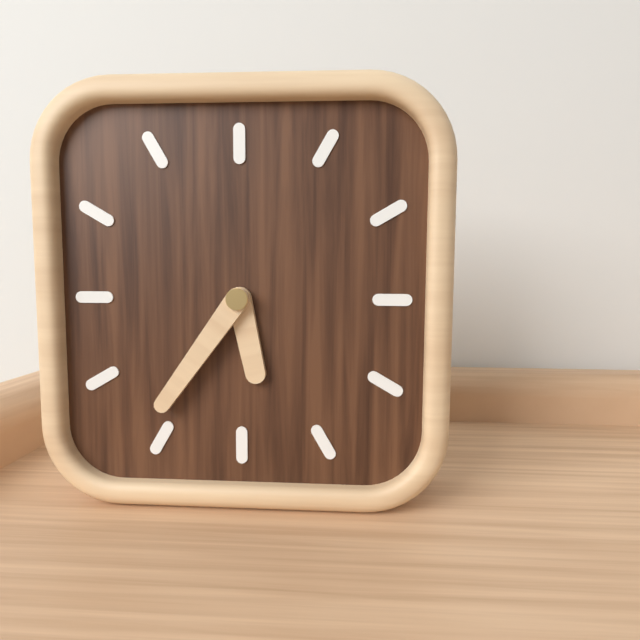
5:36
